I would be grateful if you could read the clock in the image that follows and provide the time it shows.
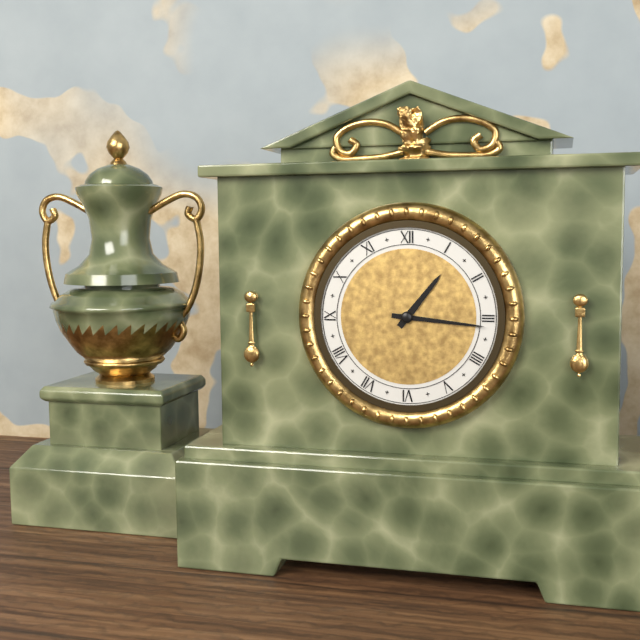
1:16
